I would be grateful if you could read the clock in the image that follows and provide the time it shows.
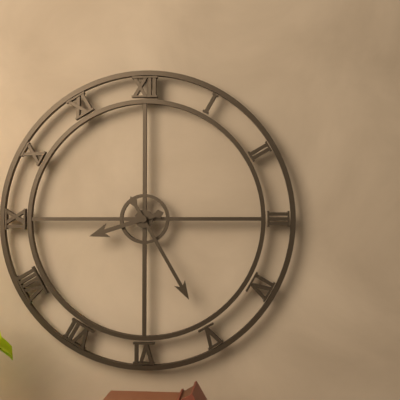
8:25
